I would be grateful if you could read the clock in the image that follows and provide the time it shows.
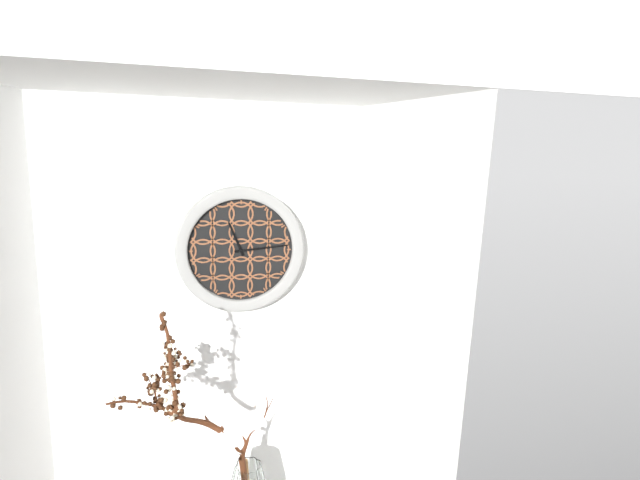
11:14
